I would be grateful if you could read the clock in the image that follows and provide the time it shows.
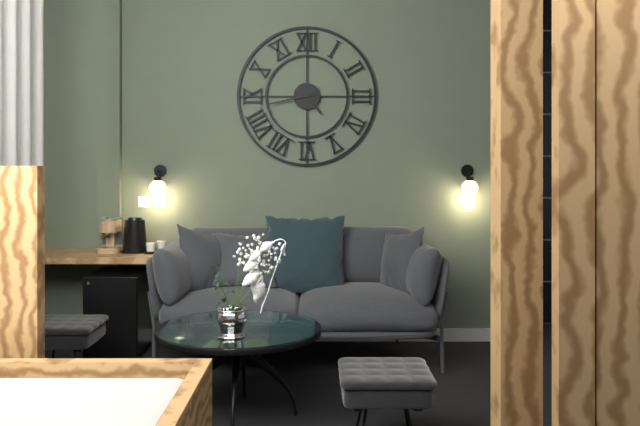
4:43
